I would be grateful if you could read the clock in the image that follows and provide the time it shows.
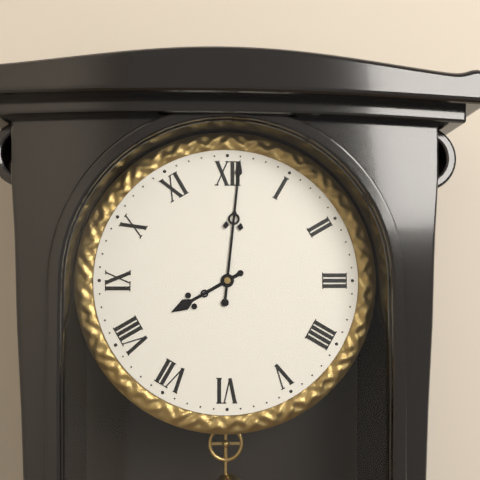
8:01
